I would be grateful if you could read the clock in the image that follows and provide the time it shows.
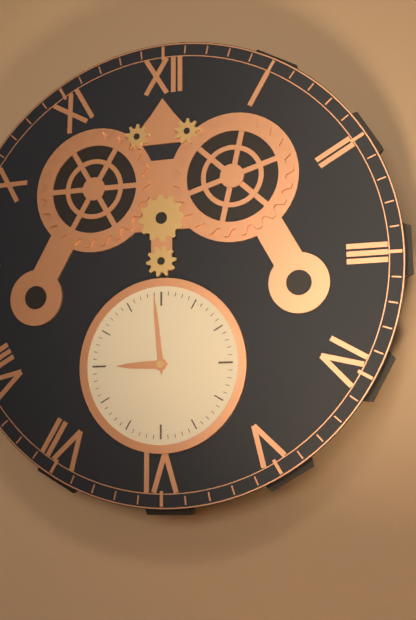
8:59
